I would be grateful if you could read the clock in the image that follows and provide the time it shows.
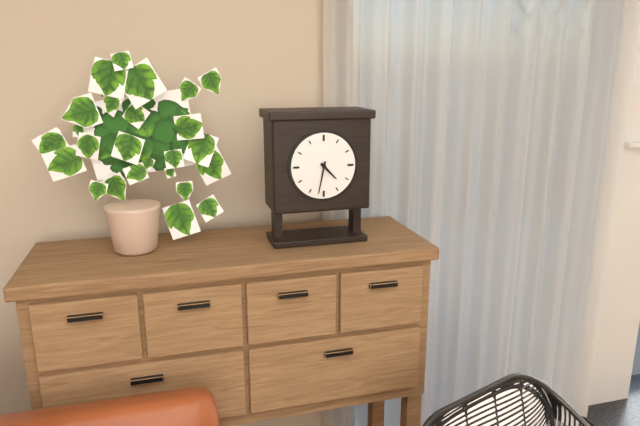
4:32
